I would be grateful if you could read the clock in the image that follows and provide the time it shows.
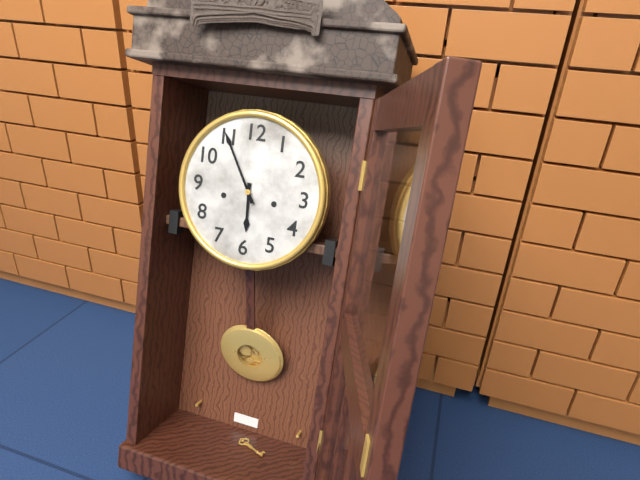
5:55
